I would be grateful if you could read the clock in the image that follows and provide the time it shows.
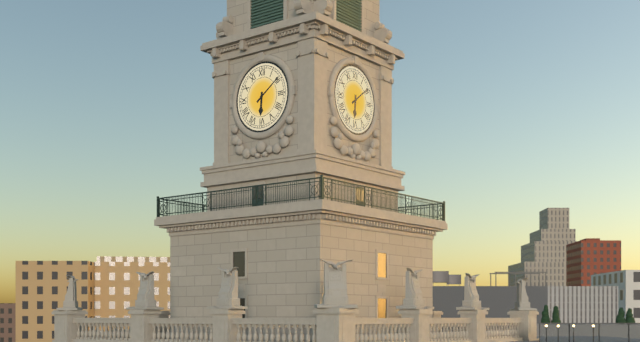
6:09
